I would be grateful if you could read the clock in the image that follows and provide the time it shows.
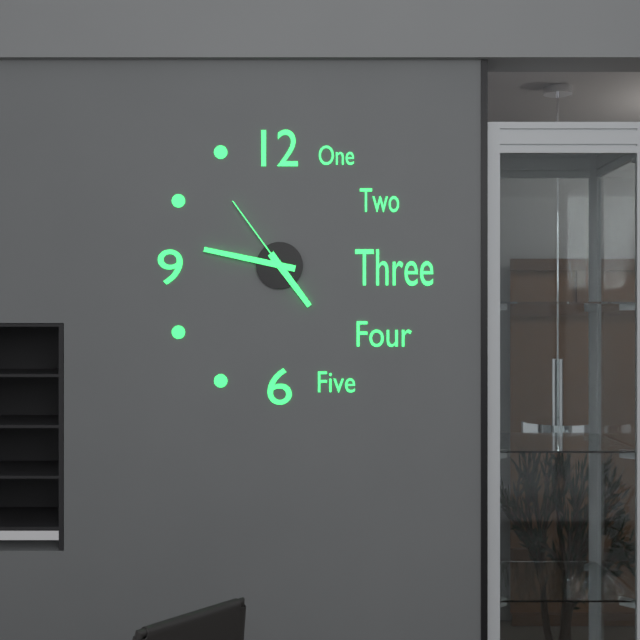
4:47:54
